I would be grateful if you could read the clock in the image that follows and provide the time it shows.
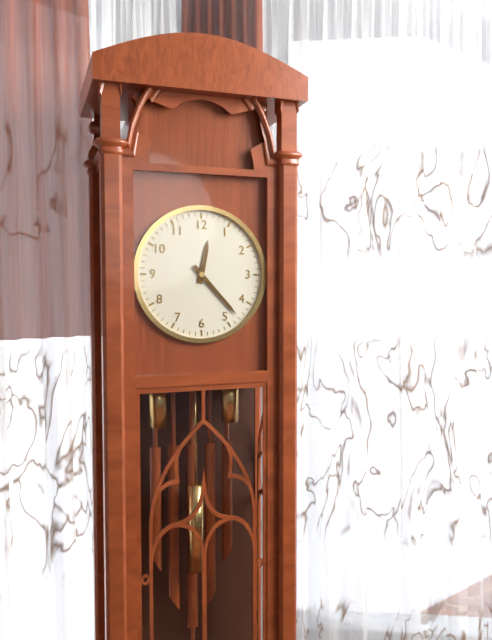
12:23
